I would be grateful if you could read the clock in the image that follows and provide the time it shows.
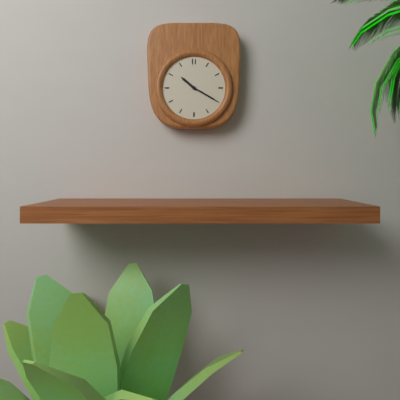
10:20
